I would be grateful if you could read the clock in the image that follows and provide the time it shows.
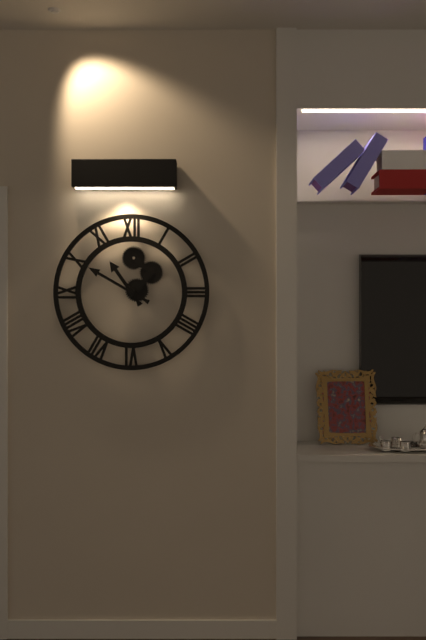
10:50
